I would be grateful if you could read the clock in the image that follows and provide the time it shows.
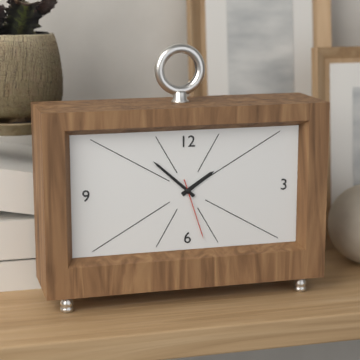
1:52:27
